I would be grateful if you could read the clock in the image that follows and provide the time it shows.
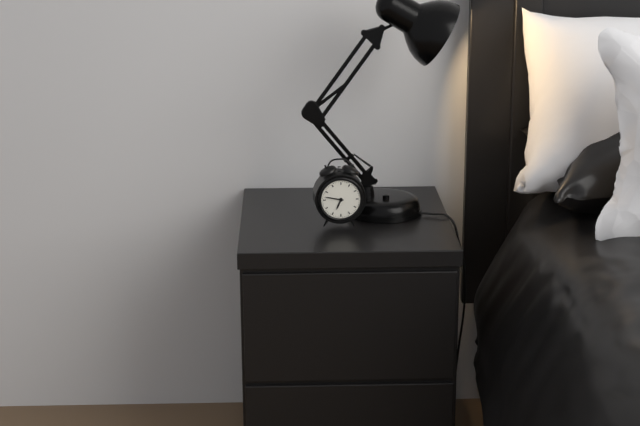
6:47
